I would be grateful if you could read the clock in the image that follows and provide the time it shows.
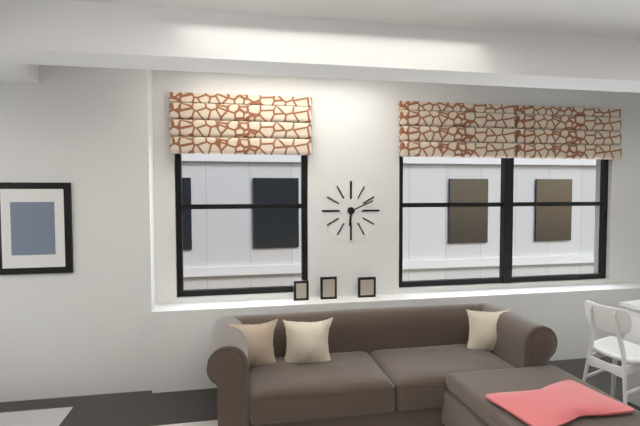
6:11
